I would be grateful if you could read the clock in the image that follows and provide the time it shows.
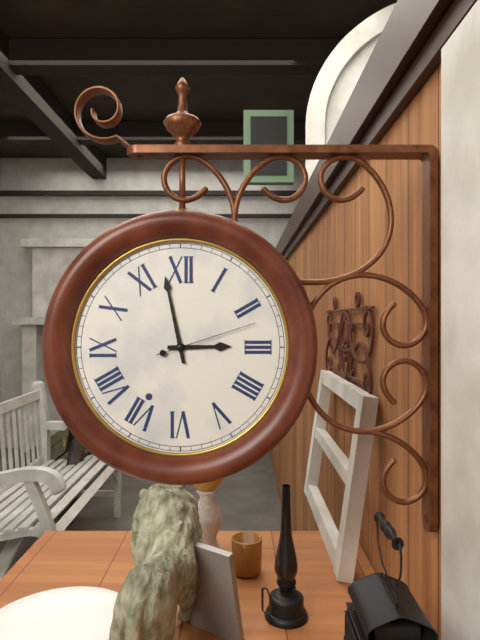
2:58:12
